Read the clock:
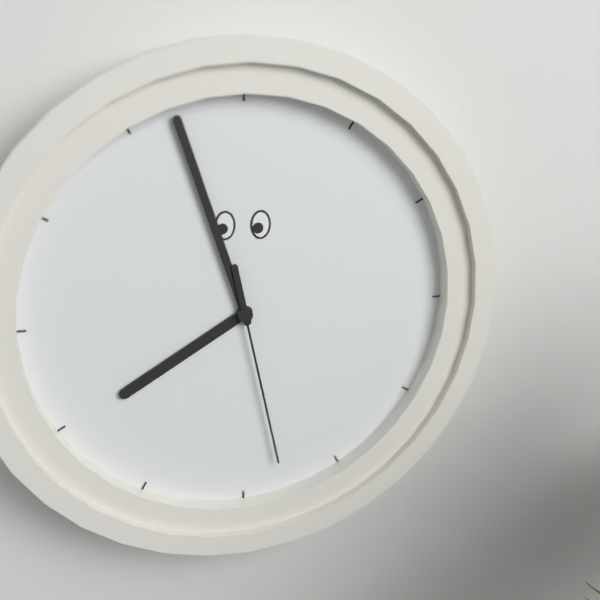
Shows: 7:57:28
